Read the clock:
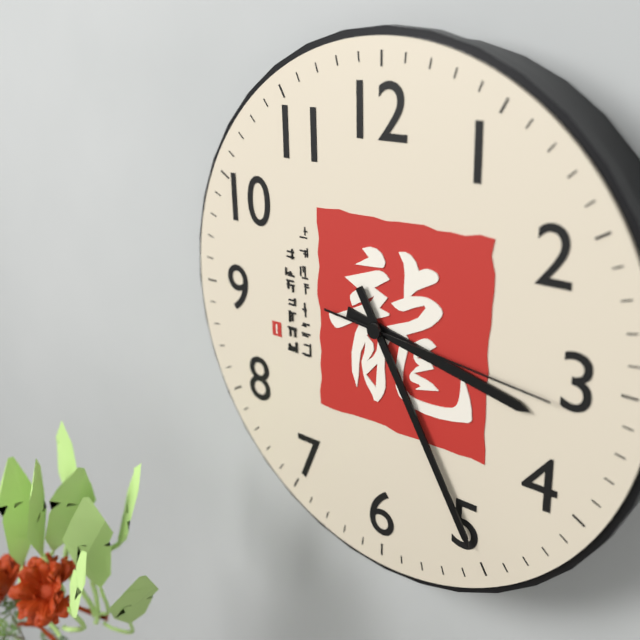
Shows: 3:25:16
